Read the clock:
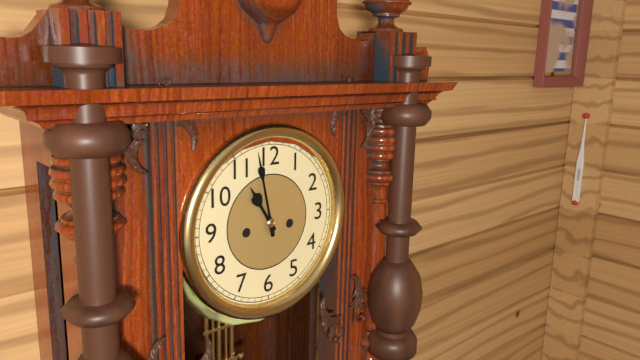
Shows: 10:58
